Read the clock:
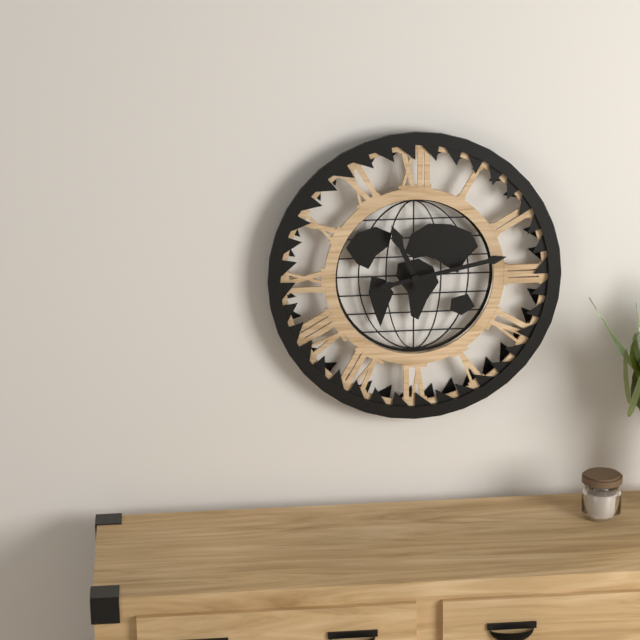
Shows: 11:13
